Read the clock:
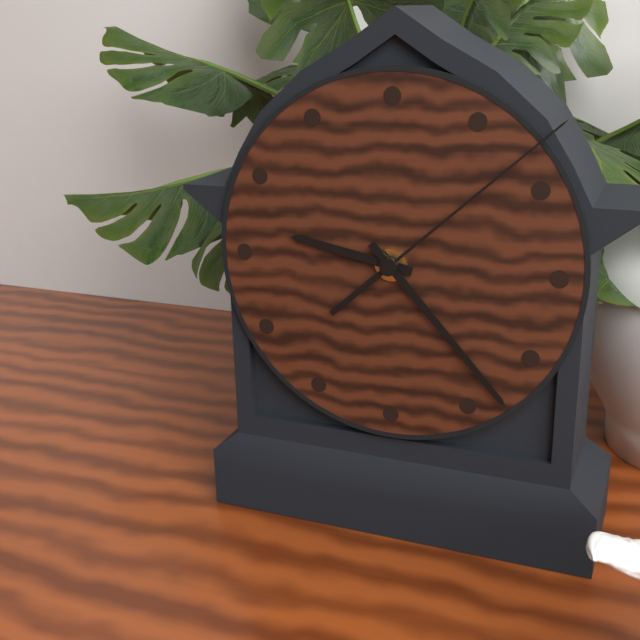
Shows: 9:23:08
